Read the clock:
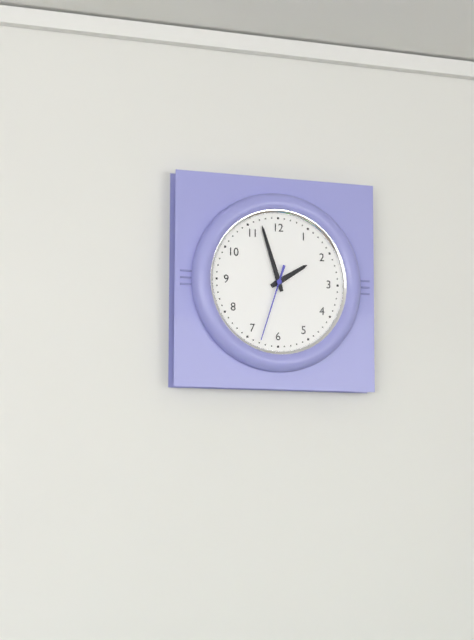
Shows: 1:57:33
